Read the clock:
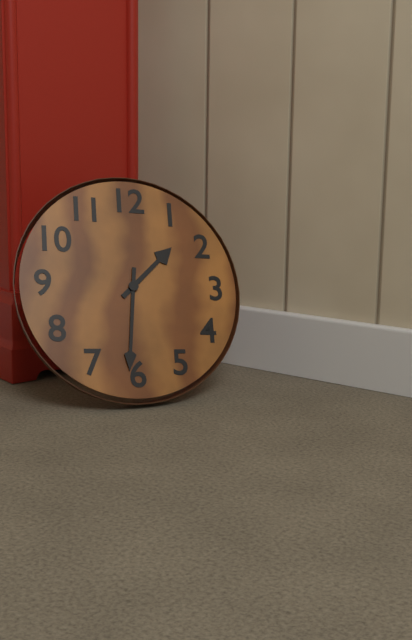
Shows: 1:31
